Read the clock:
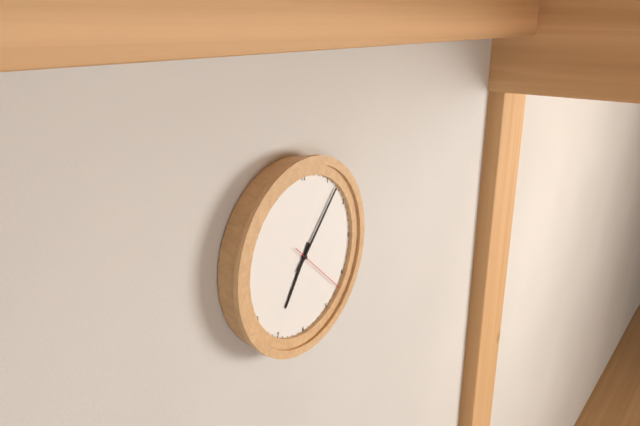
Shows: 7:07:22
